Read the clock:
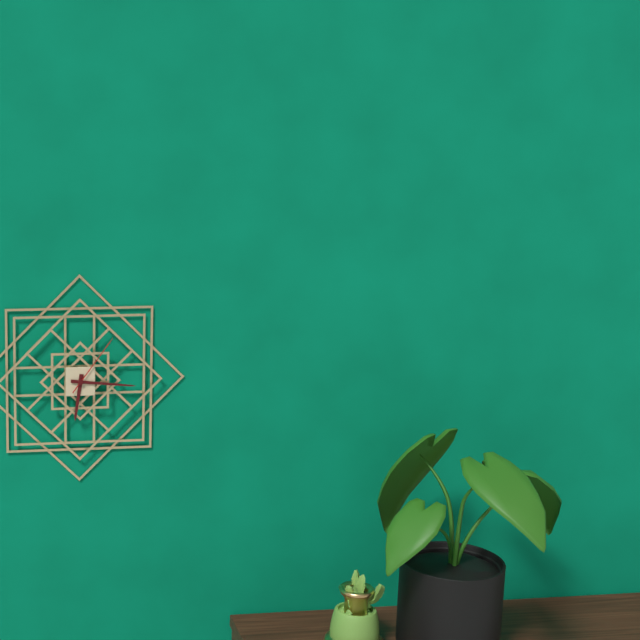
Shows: 6:16:06
